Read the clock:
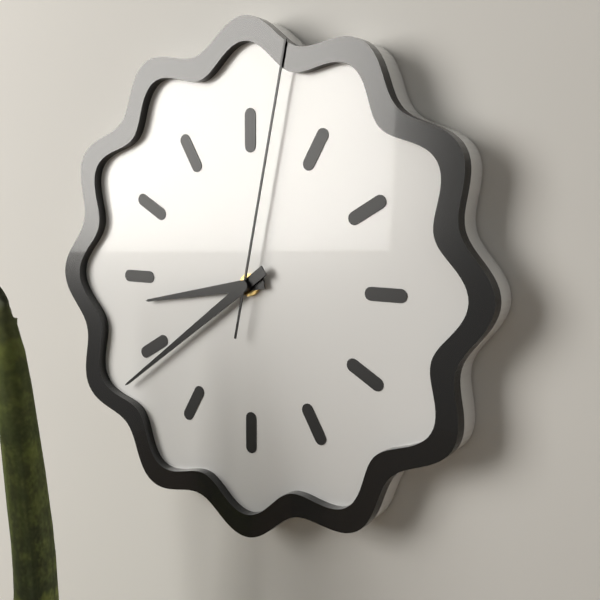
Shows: 8:39:02
